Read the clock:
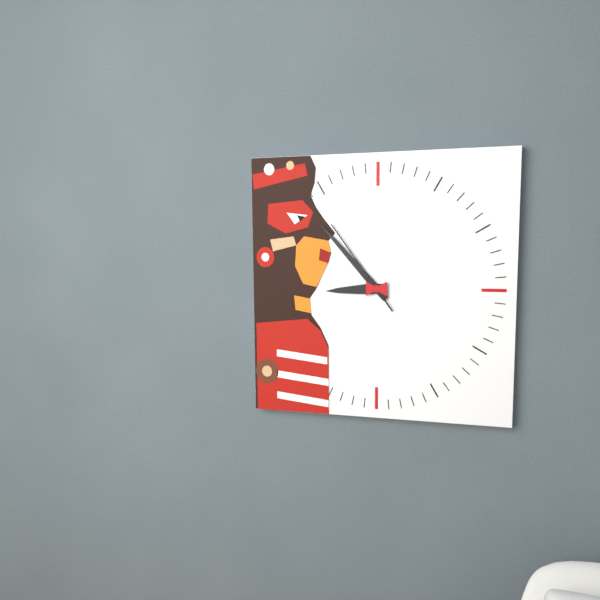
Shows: 8:53:54
